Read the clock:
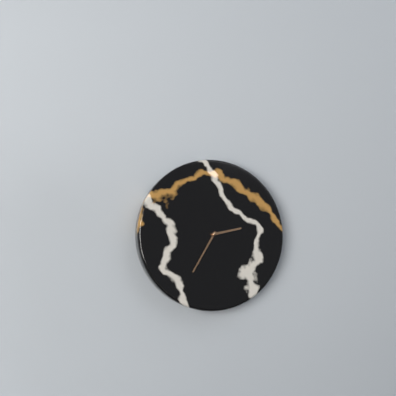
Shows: 2:35
